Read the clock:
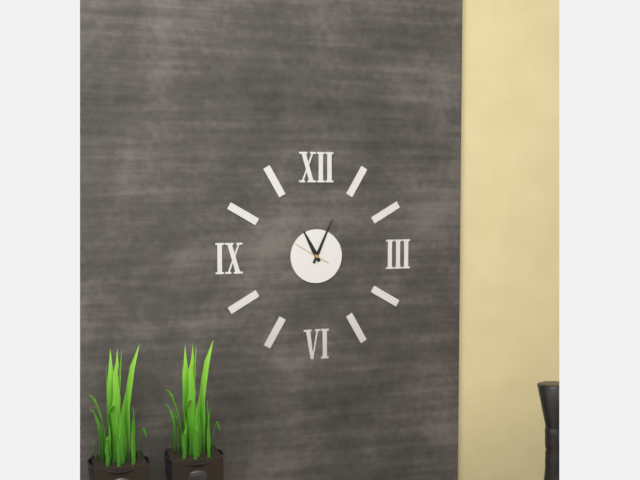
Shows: 11:04
